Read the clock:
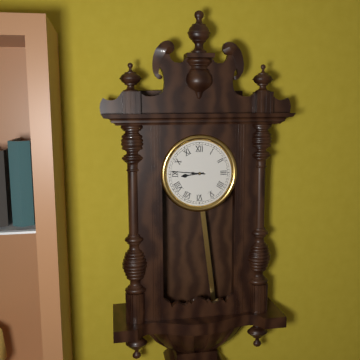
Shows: 8:46
